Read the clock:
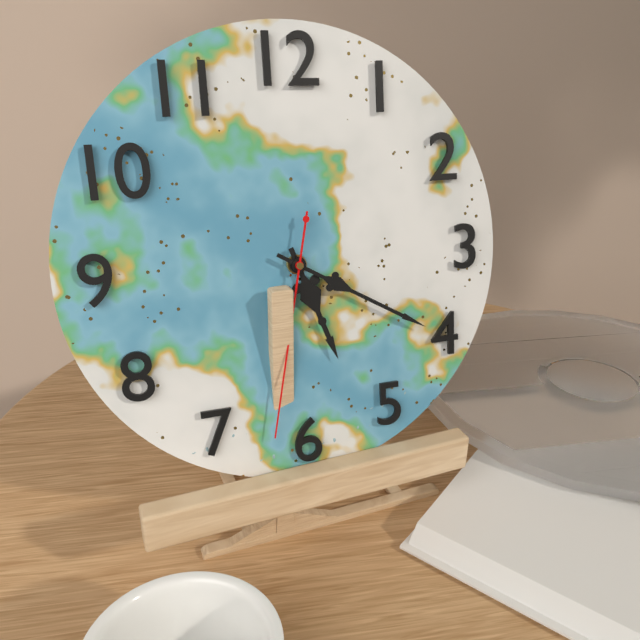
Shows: 5:20:32
